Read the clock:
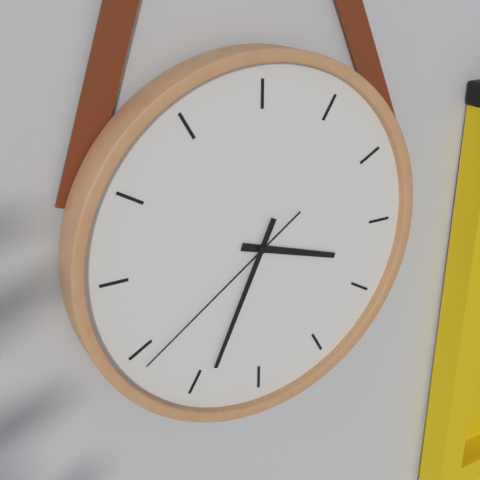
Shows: 3:34:39
